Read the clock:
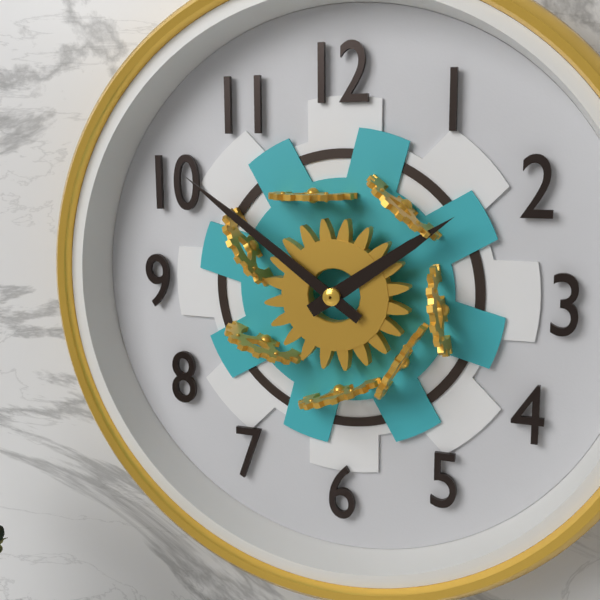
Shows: 1:51
